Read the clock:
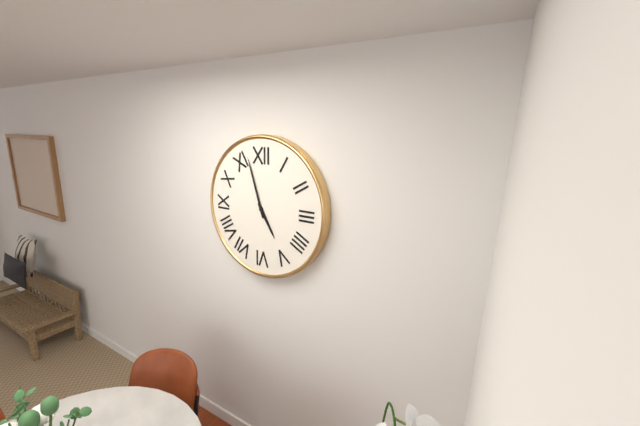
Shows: 4:57
